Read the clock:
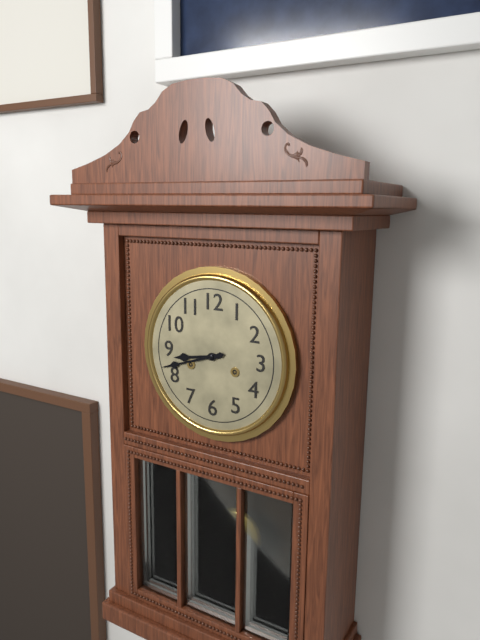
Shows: 8:42
